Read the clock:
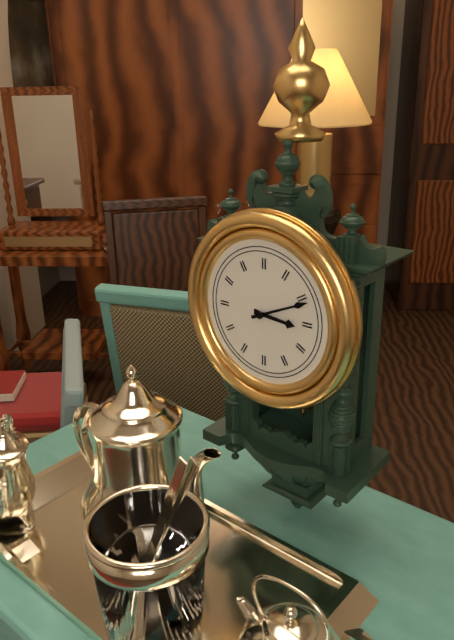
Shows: 3:11
